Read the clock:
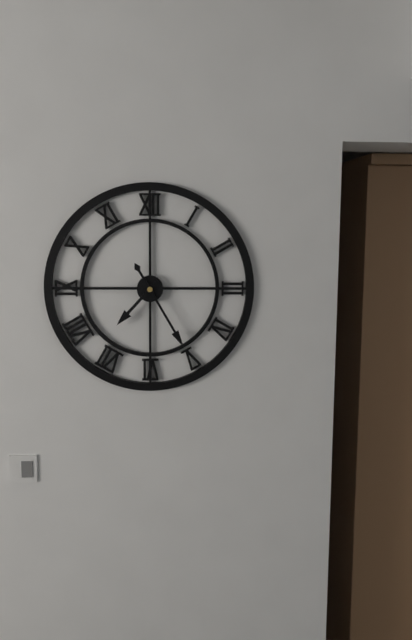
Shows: 7:25
